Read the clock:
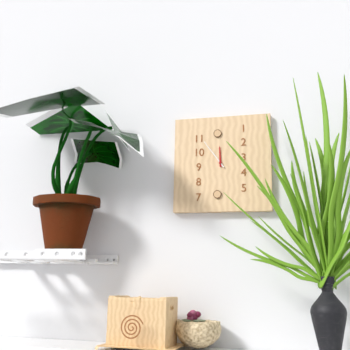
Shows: 11:54
